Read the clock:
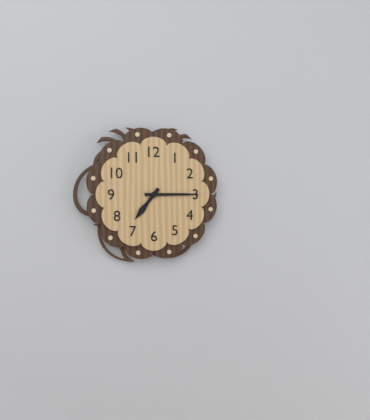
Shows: 7:15
